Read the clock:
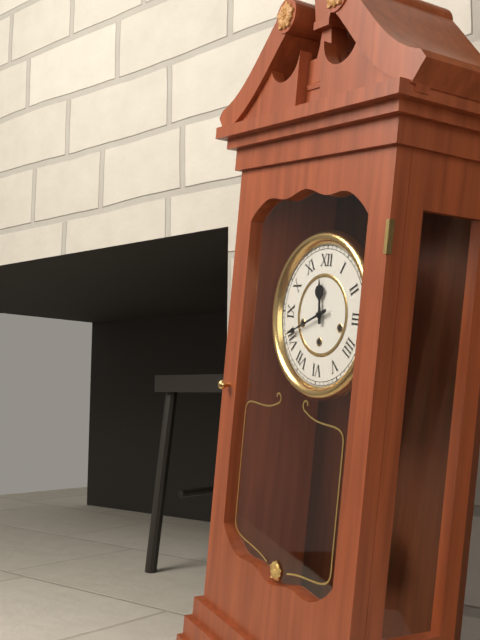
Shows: 11:41
